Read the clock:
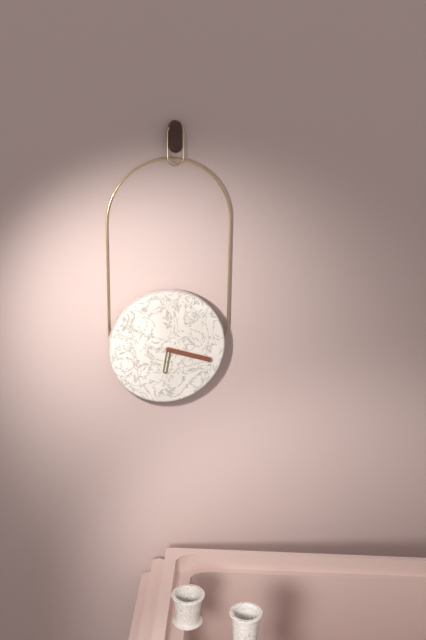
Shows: 6:18
